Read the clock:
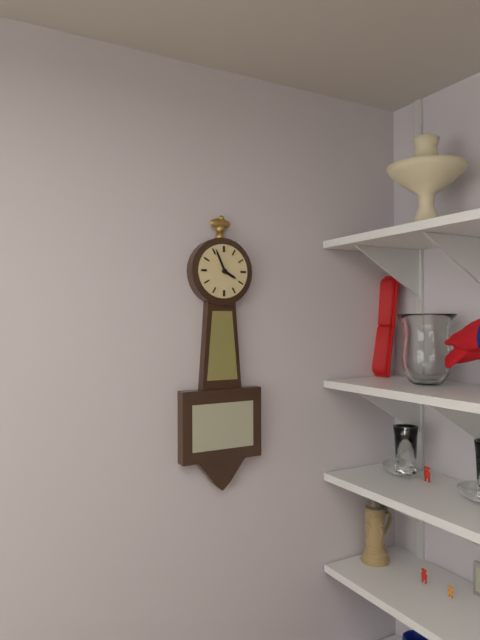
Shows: 3:56
